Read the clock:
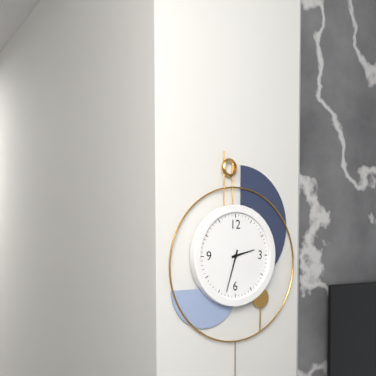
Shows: 2:33
